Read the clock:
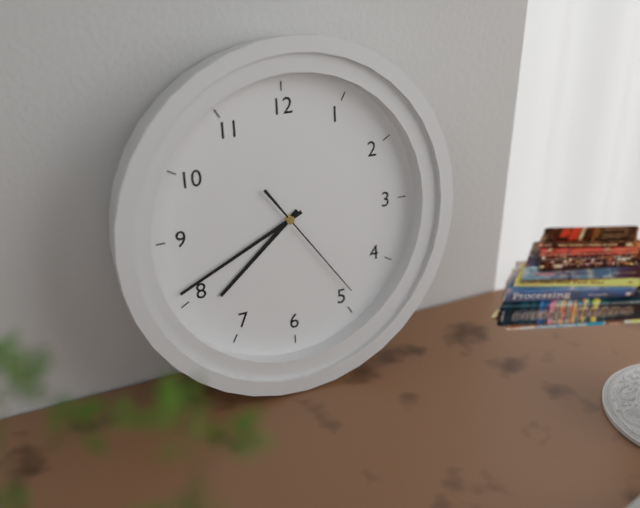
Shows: 7:41:24
